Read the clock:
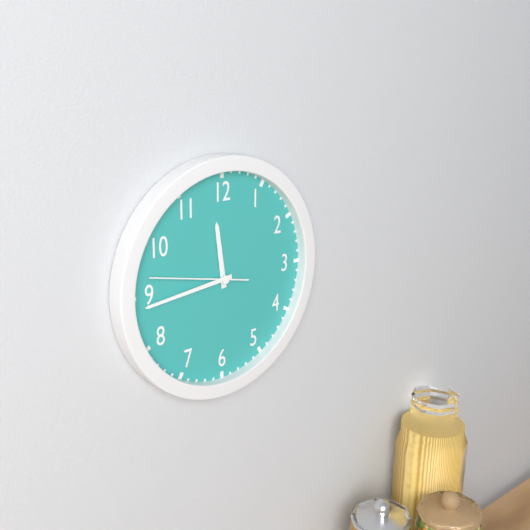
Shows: 11:44:47
